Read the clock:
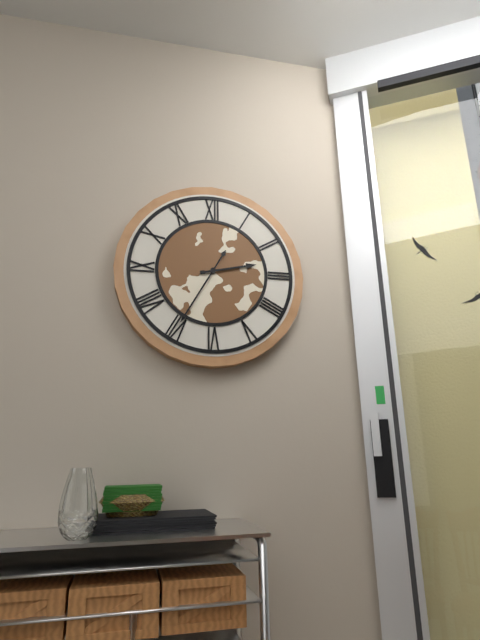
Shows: 2:35
